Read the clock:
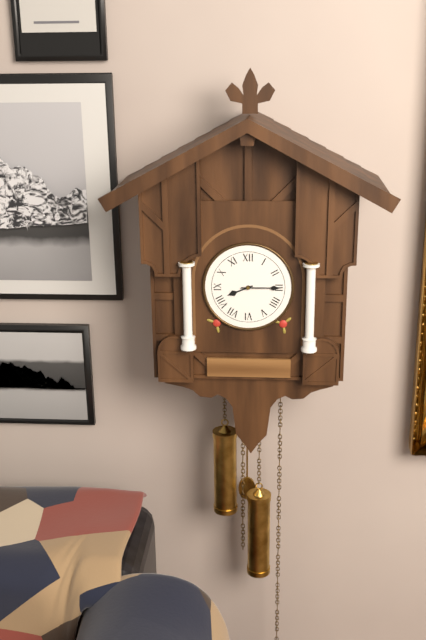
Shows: 8:15
